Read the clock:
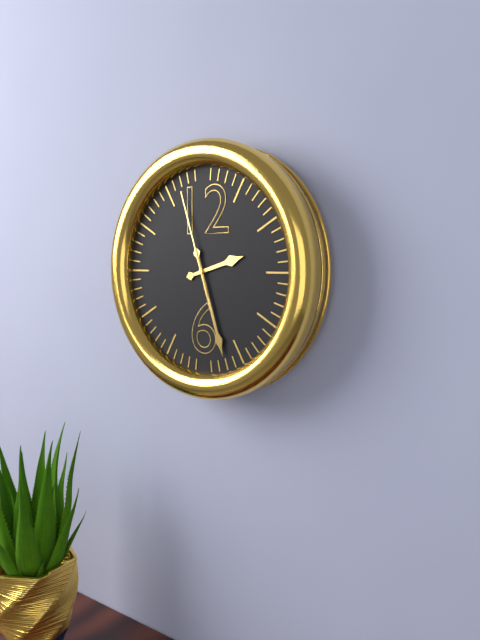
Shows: 2:27:57
